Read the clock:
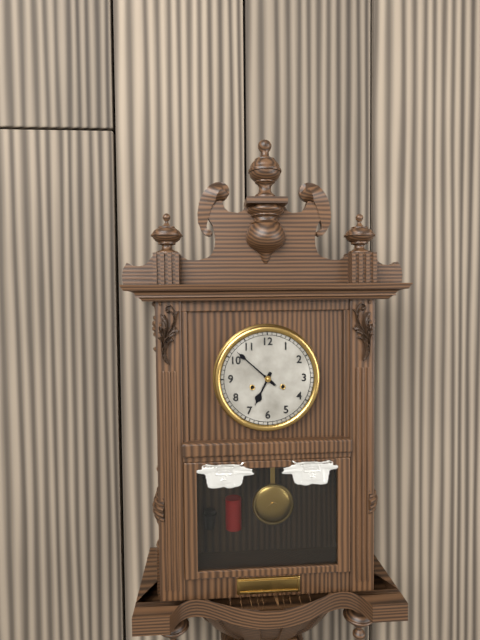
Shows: 6:52
